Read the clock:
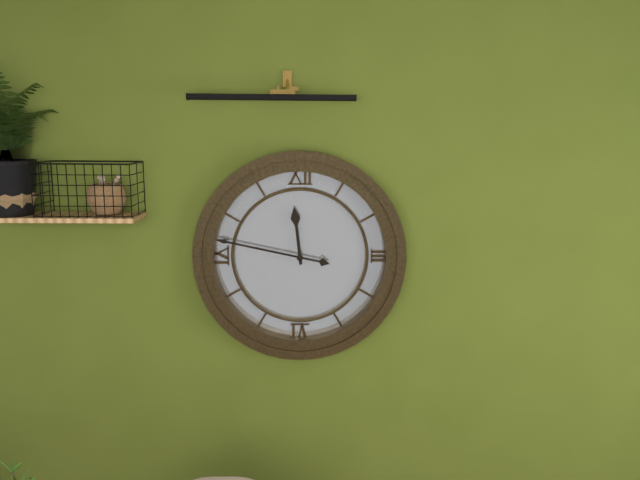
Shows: 11:47
